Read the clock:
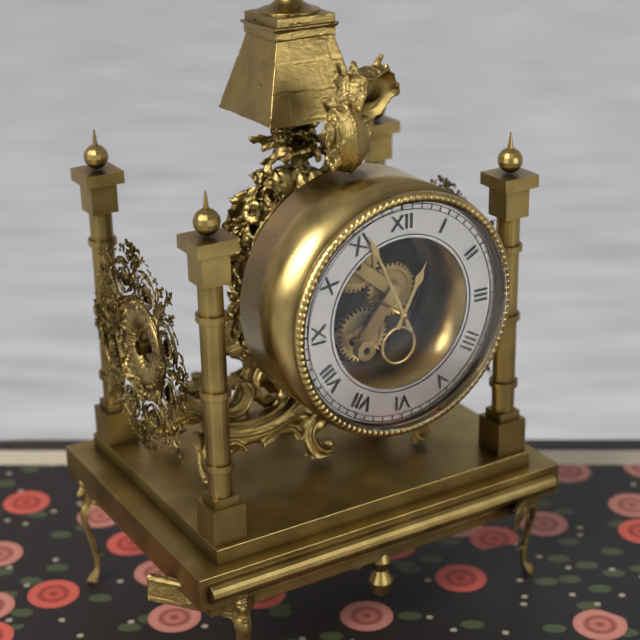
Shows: 12:56
